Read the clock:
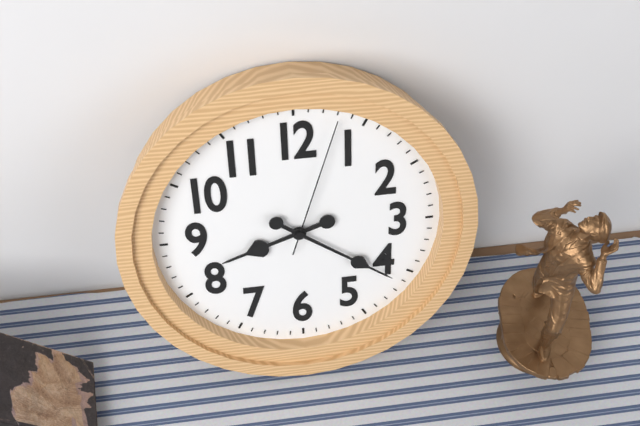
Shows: 8:21:03
